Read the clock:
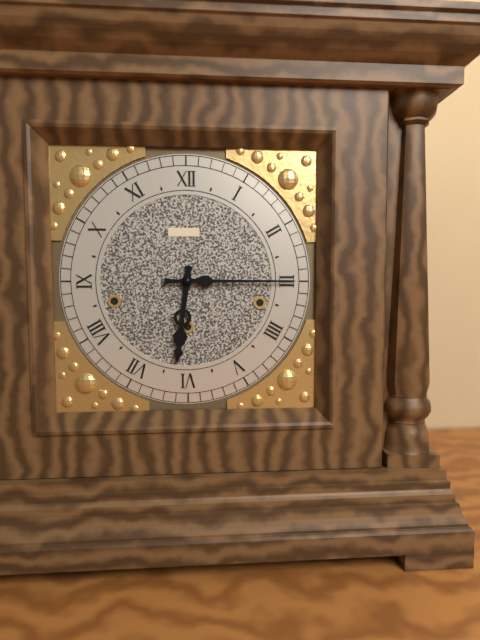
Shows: 6:15
